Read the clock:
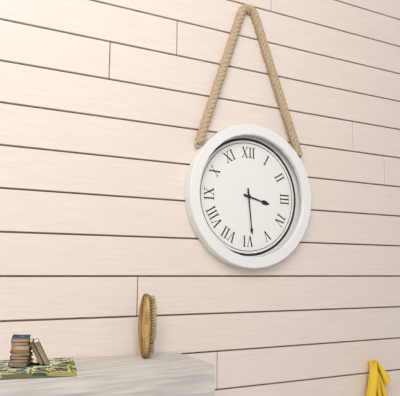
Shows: 3:29
